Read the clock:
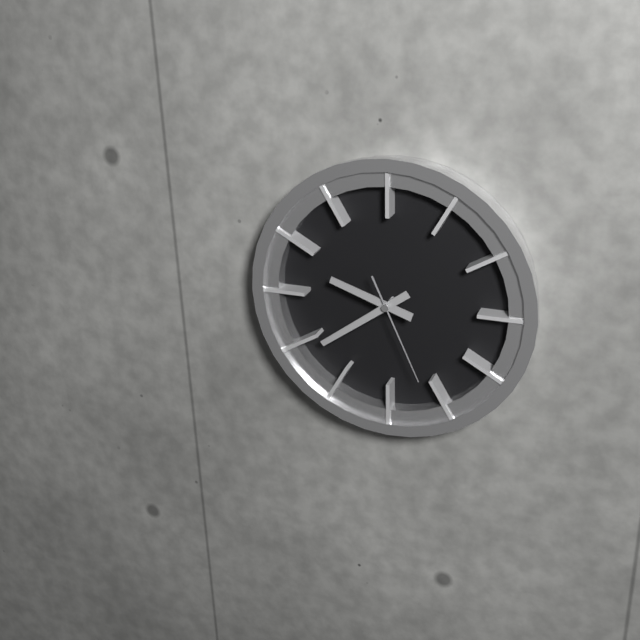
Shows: 9:39:26
